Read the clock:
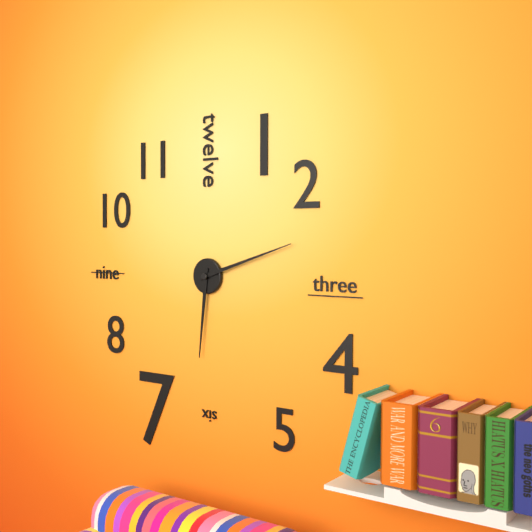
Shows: 6:12
